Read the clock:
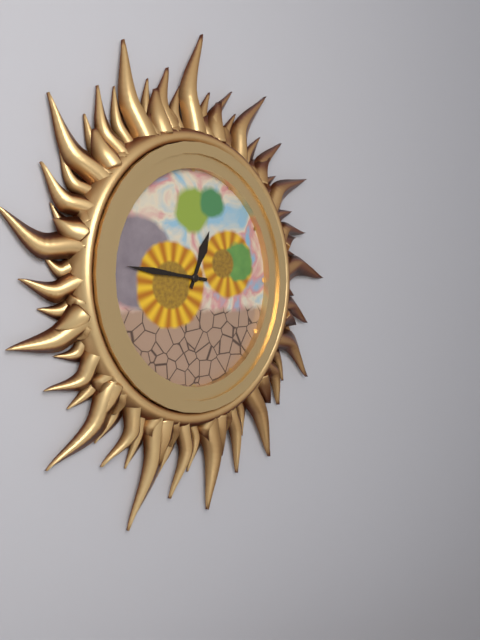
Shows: 12:46
